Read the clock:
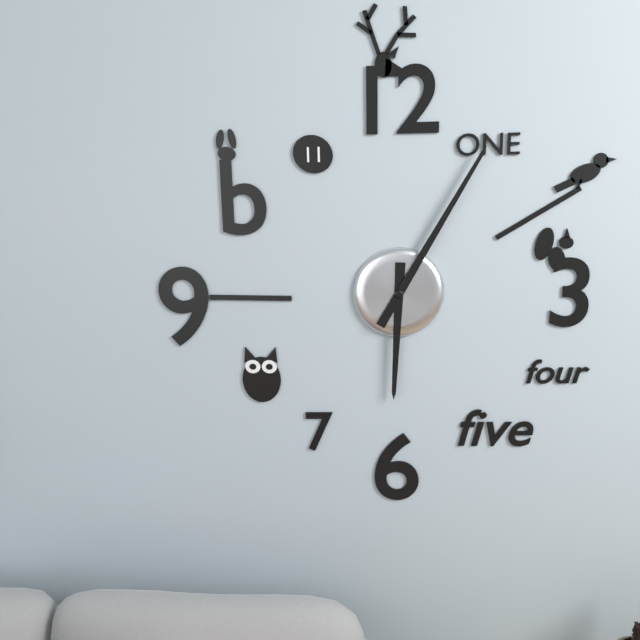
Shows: 6:05
